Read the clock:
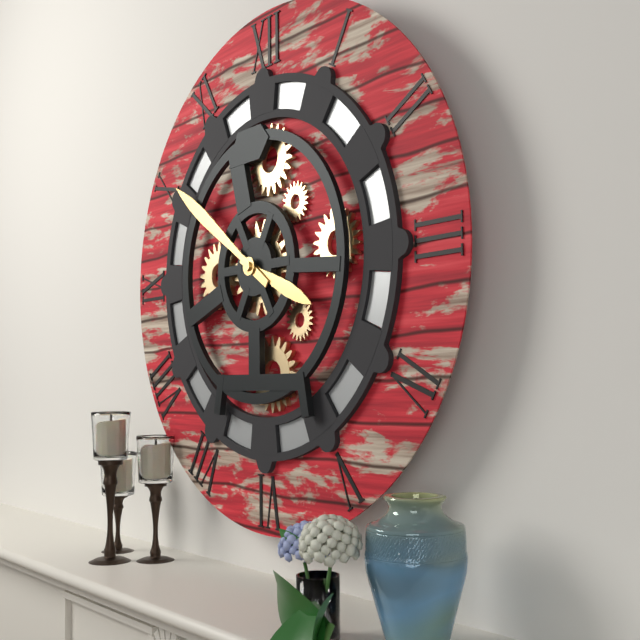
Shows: 3:51
